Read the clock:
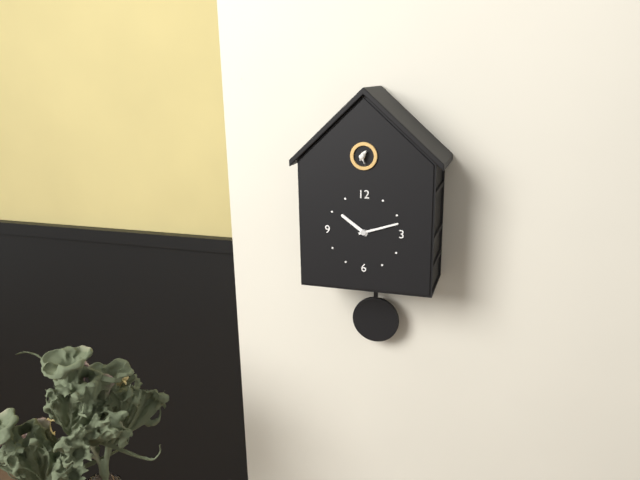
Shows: 10:12
